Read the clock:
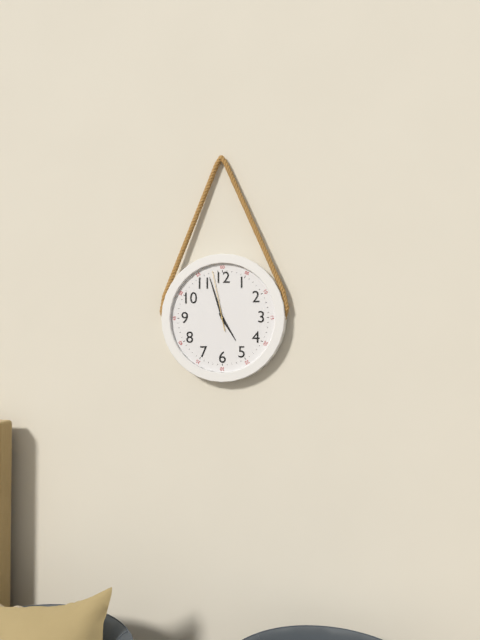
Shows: 4:57:58
